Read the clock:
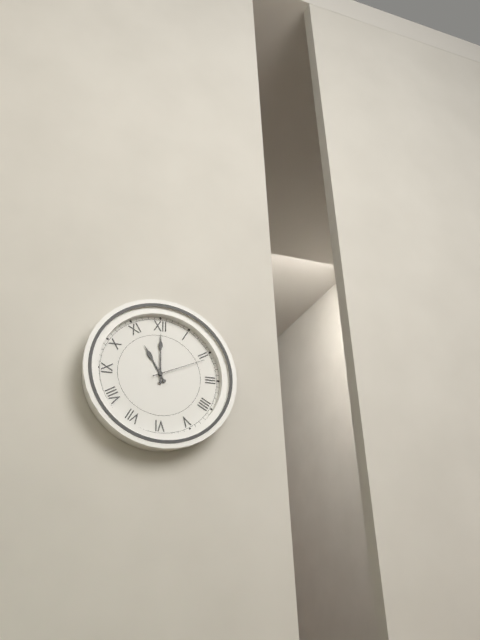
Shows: 11:00:11
